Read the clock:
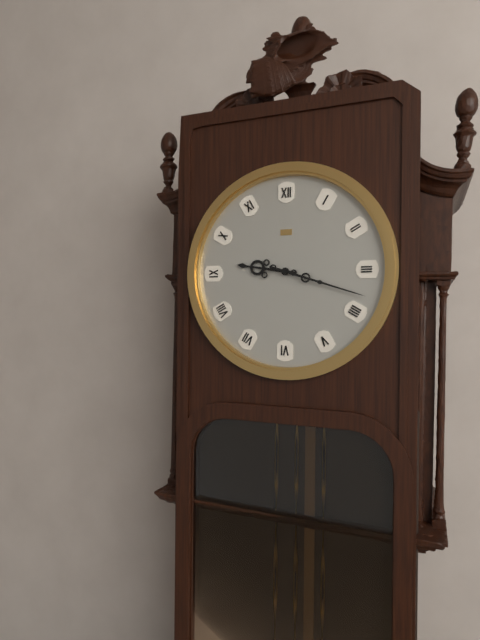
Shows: 9:18
